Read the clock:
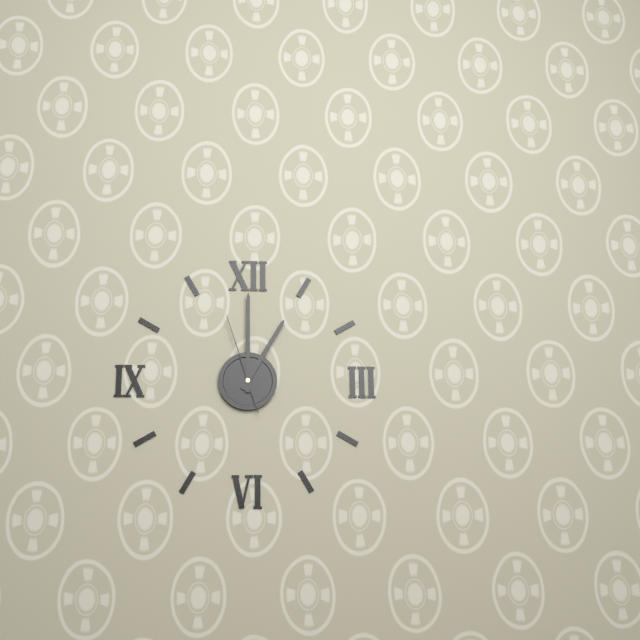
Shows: 1:00:57
